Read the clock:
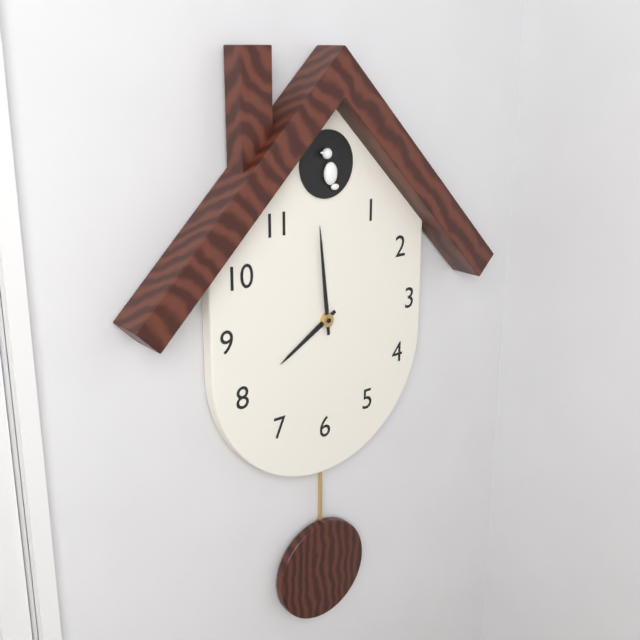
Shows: 7:59
